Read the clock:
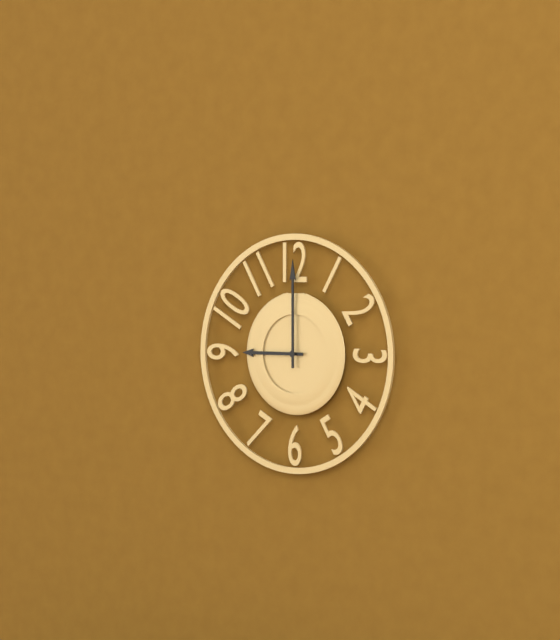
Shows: 9:00
